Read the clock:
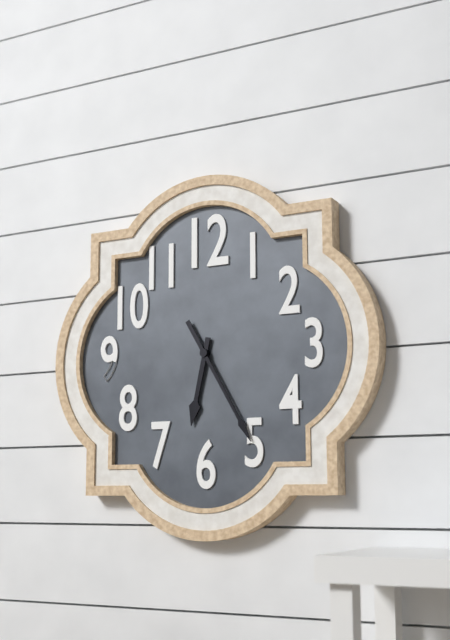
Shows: 6:25
